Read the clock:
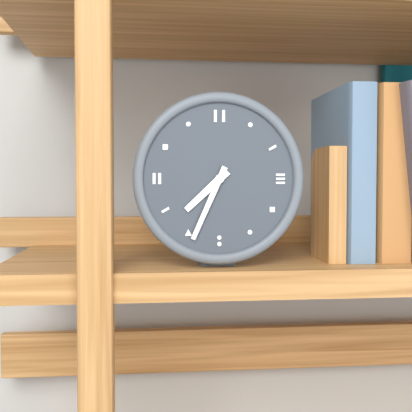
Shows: 7:34
